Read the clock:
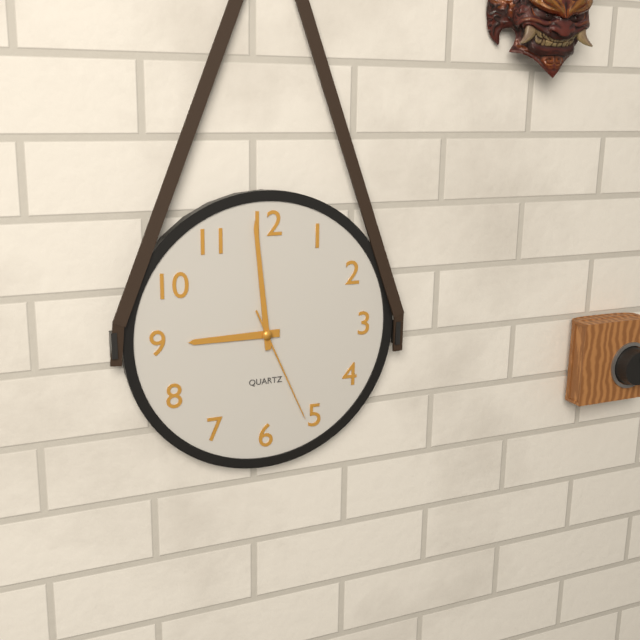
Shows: 8:59:26
